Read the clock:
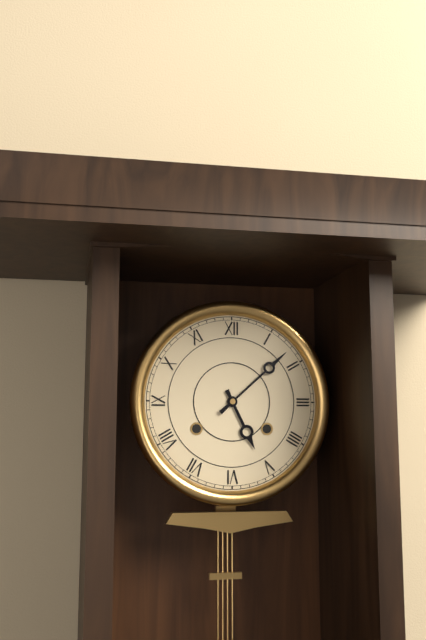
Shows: 5:08
